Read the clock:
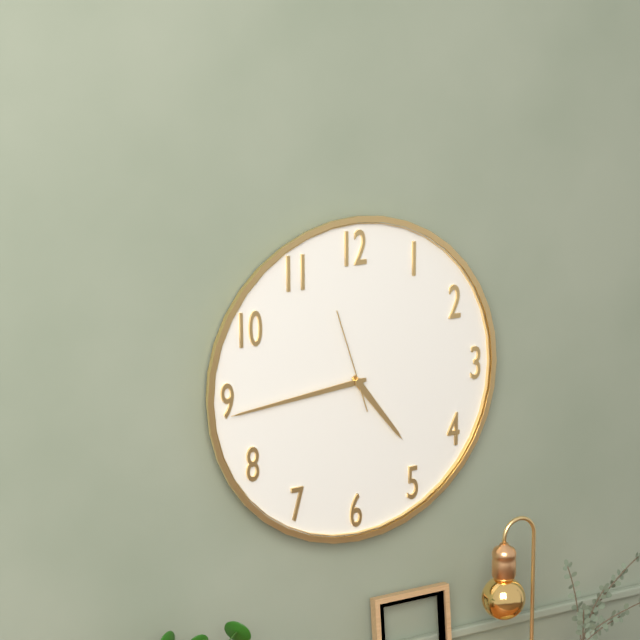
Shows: 4:44:57
